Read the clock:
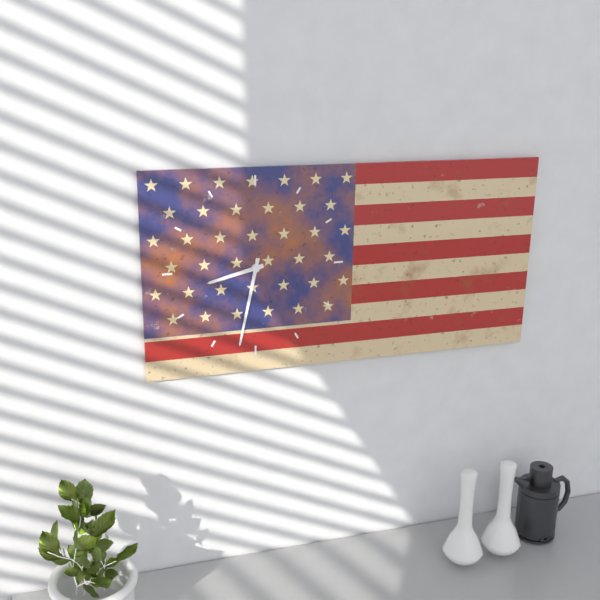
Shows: 8:32
